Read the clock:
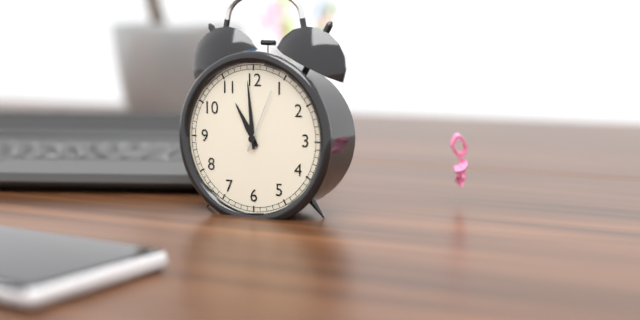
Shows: 10:59:04
